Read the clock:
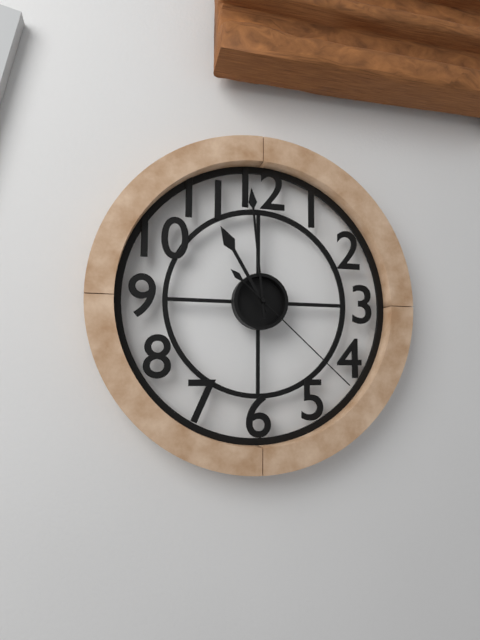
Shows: 10:59:22
